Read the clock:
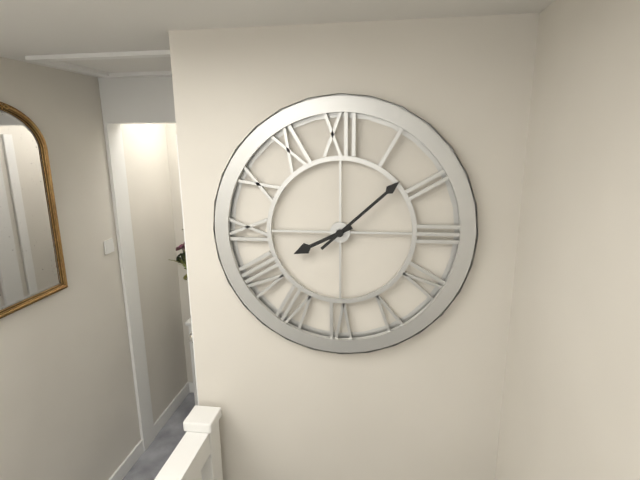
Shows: 8:08
